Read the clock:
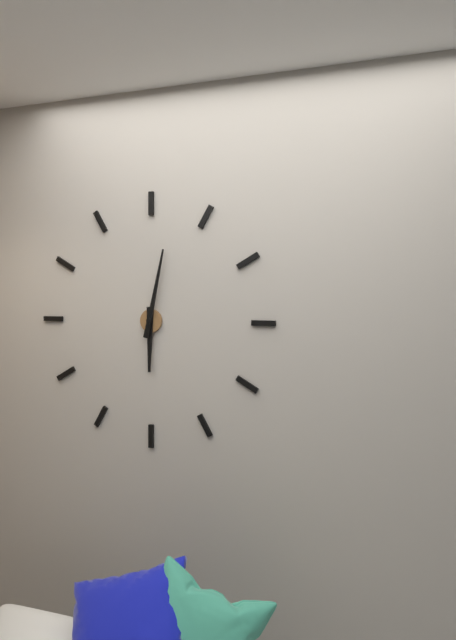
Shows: 6:02
